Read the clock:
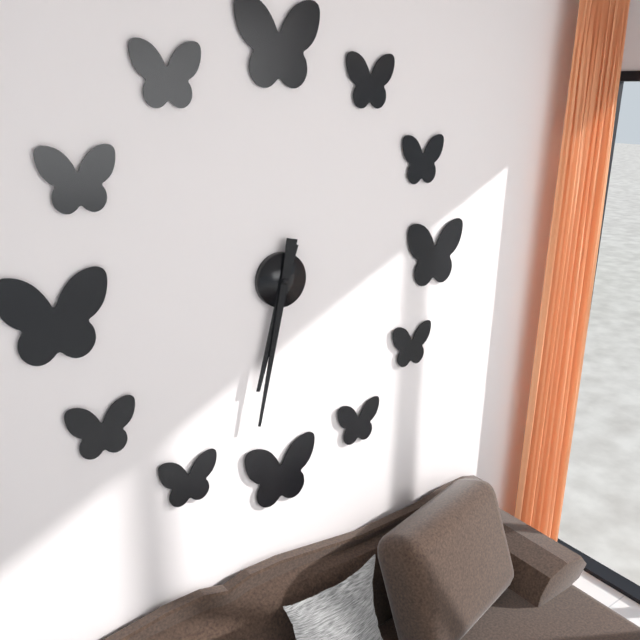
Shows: 6:32
